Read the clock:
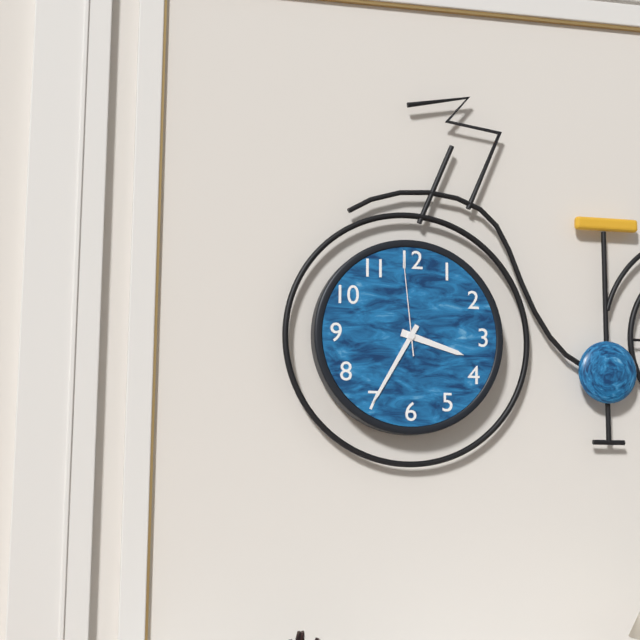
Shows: 3:35:59
